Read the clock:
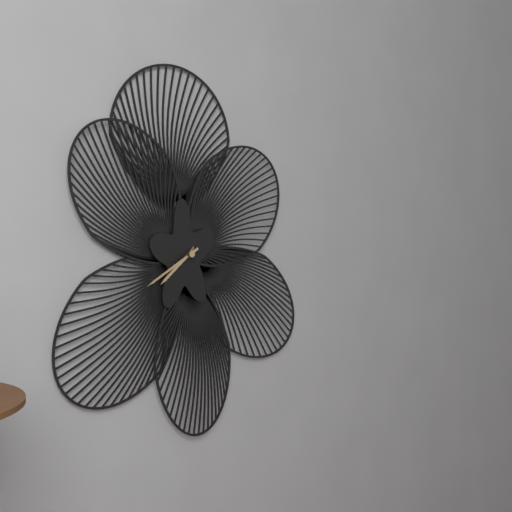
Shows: 7:40
